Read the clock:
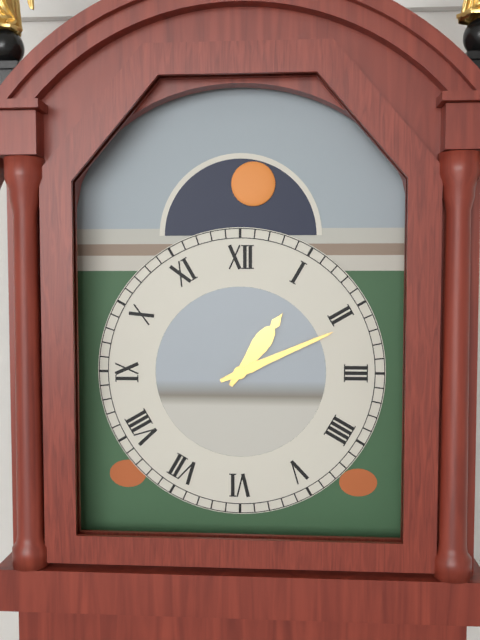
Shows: 1:11
